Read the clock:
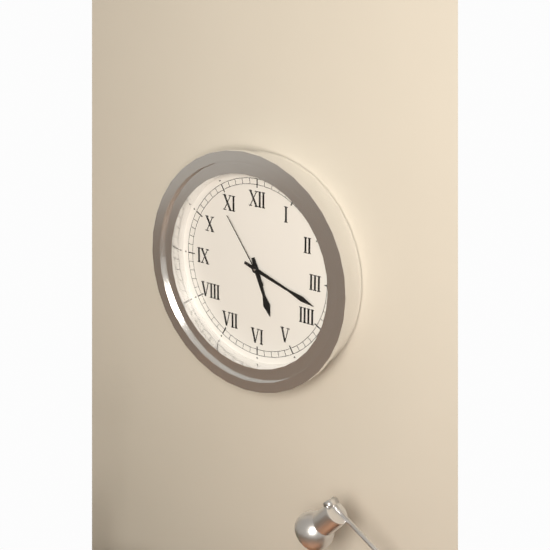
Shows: 5:18:54
